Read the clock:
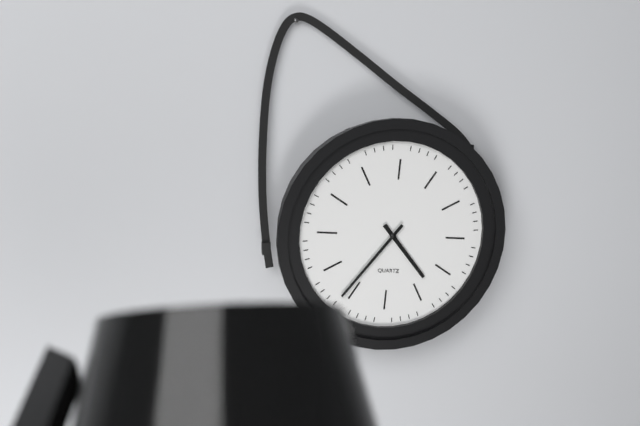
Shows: 4:36
